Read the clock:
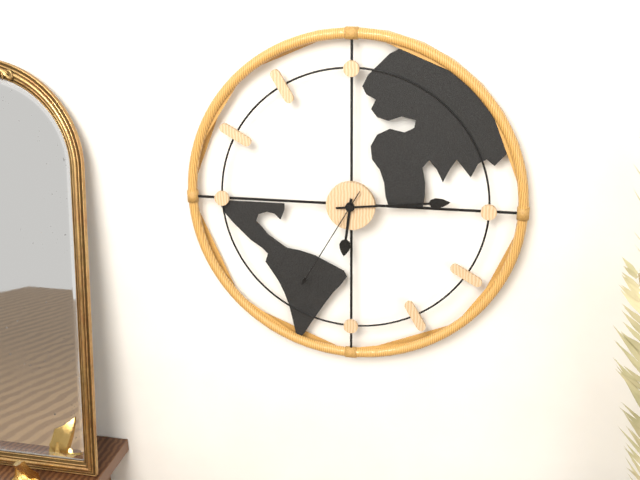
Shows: 6:14:35
